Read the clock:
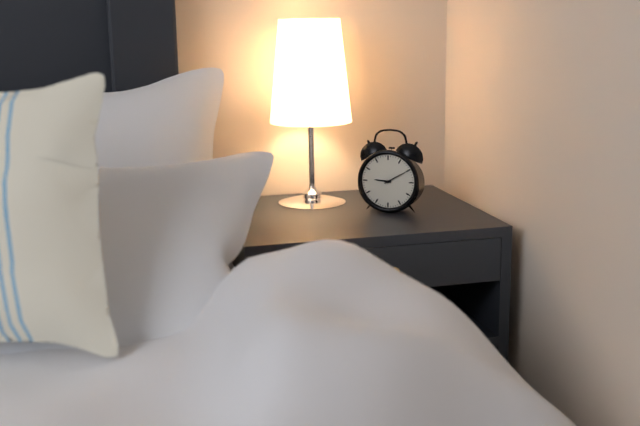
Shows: 9:10
